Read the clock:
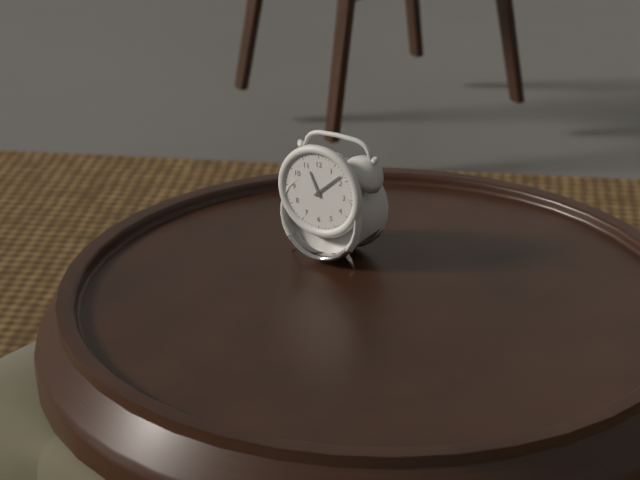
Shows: 11:08
